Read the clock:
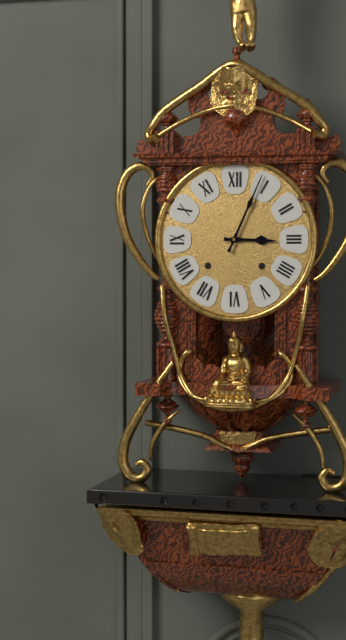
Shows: 3:04
